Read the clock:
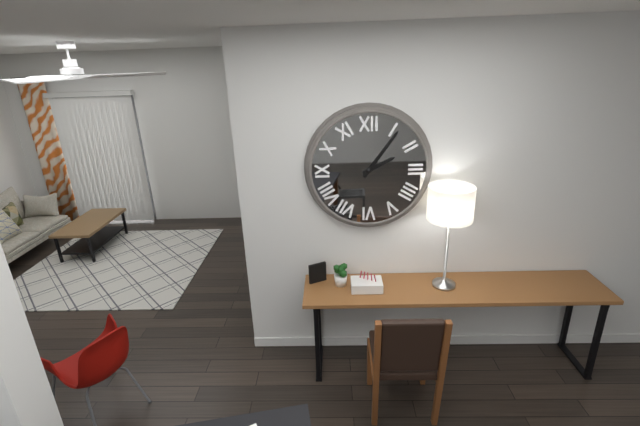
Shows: 2:06
